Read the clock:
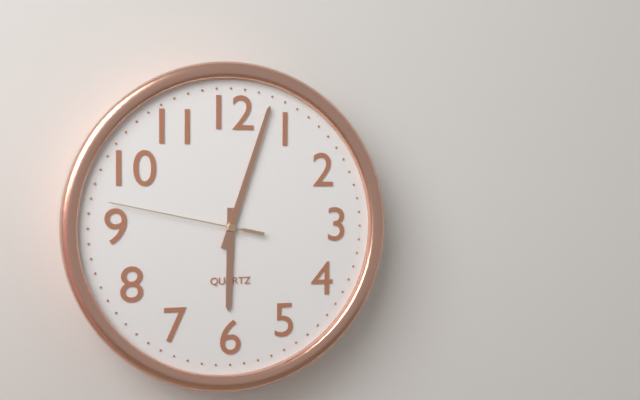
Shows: 6:03:47
